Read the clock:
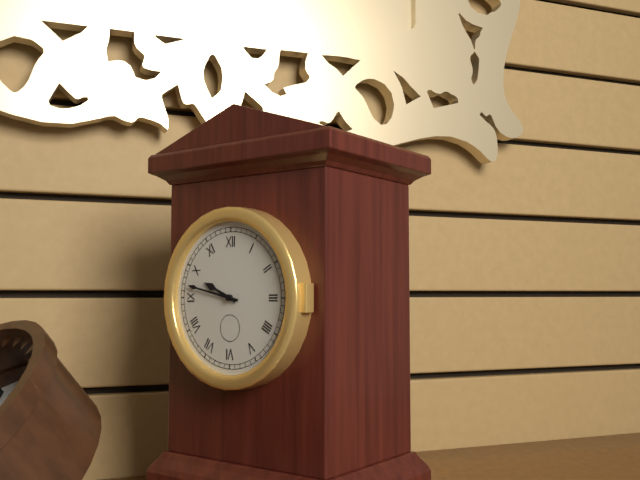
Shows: 9:47
